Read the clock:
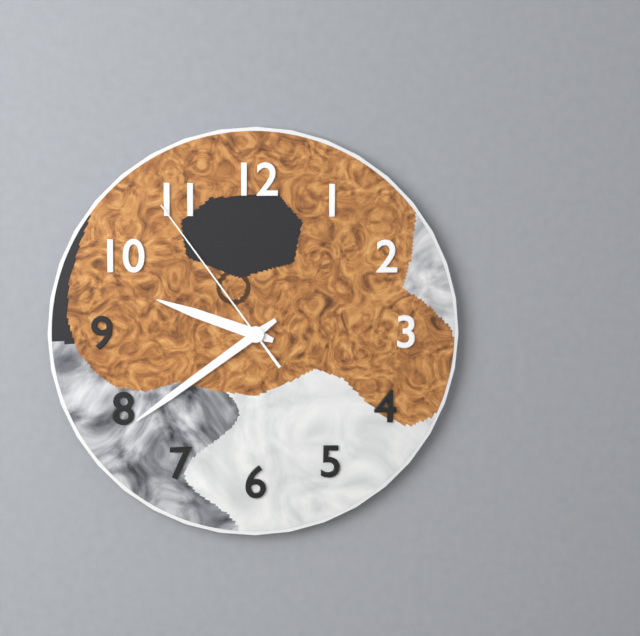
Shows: 9:39:54
